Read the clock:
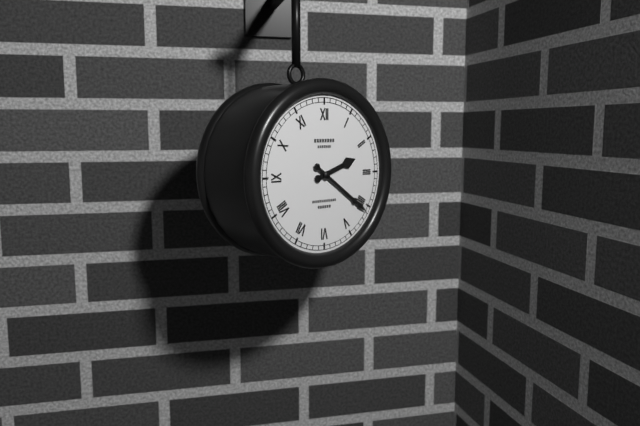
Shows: 2:21
